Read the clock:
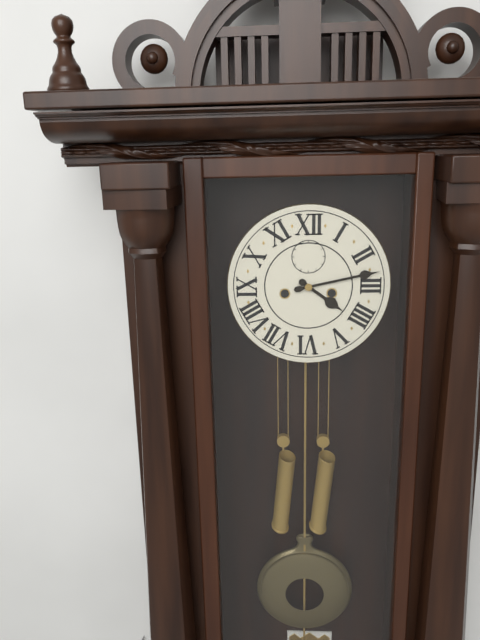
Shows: 4:13
